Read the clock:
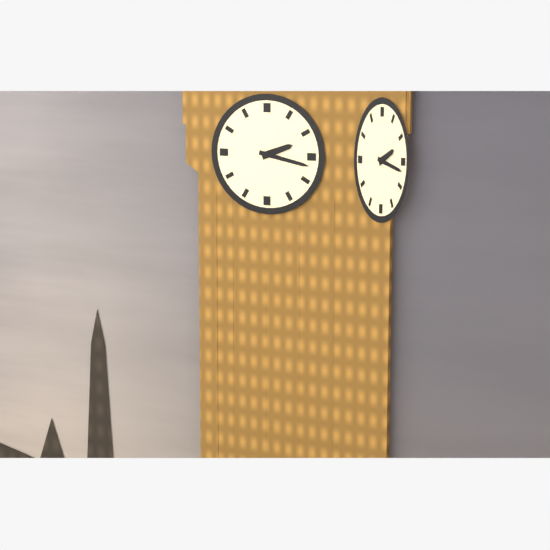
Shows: 2:17
